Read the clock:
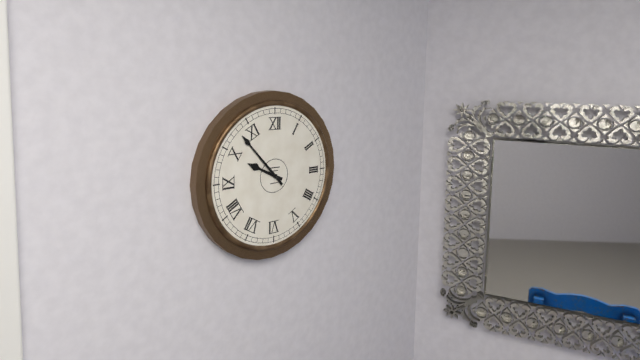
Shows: 9:53
